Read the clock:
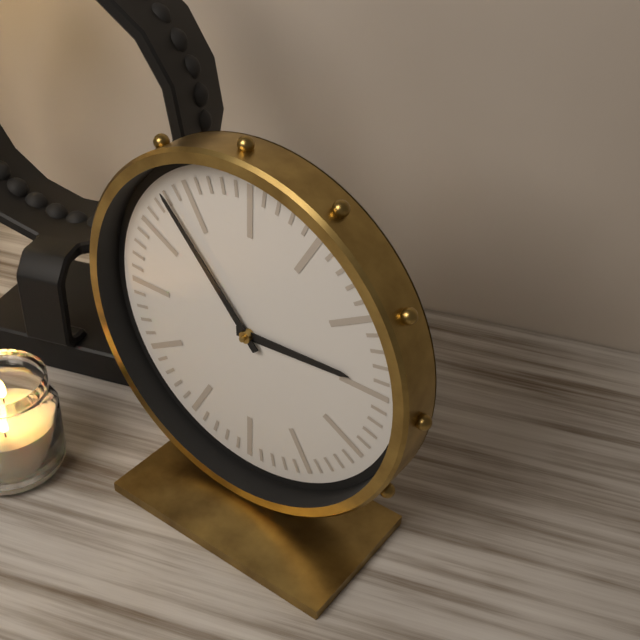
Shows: 2:53
